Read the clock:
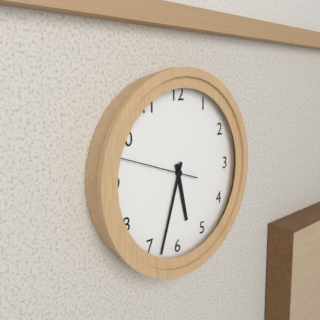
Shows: 5:33:48
